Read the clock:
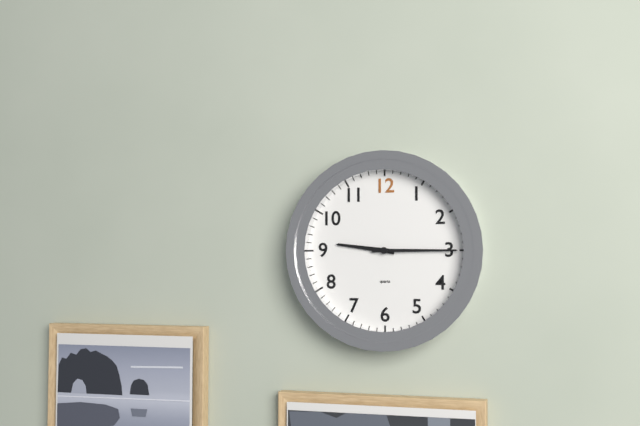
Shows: 9:15
